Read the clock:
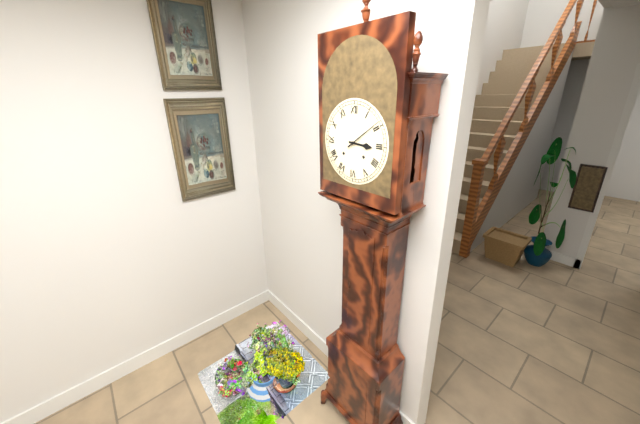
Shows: 3:09
